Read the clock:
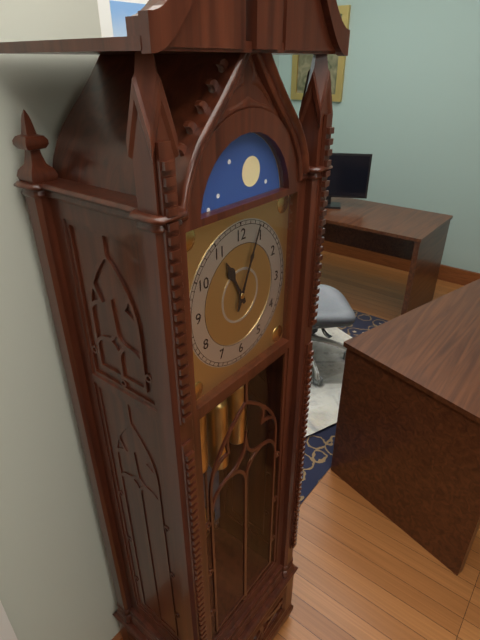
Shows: 11:04
